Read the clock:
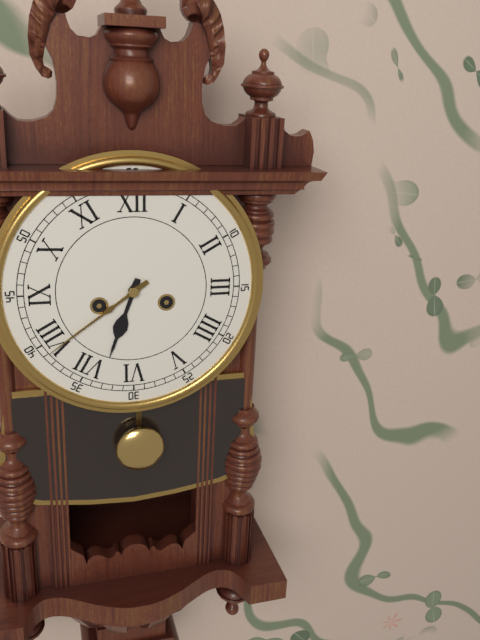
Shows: 6:39
